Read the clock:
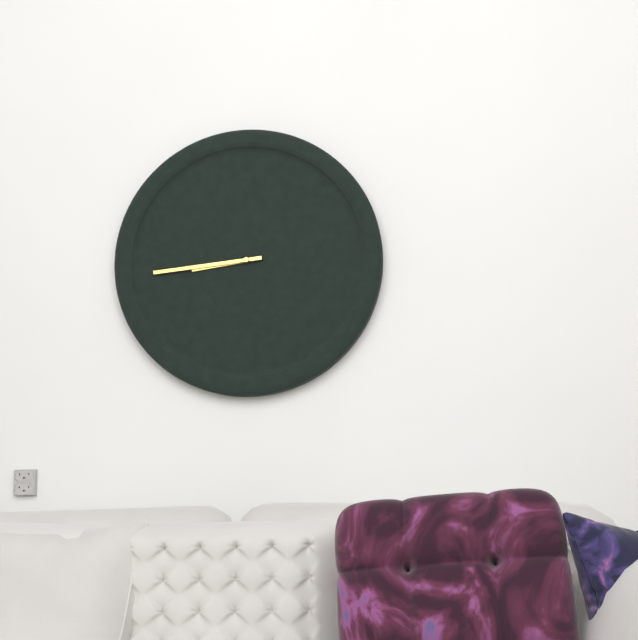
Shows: 8:44
